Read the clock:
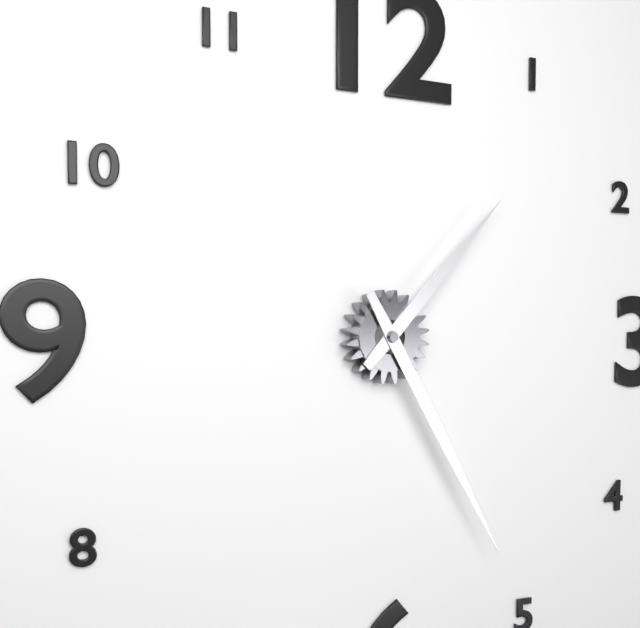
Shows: 1:25
